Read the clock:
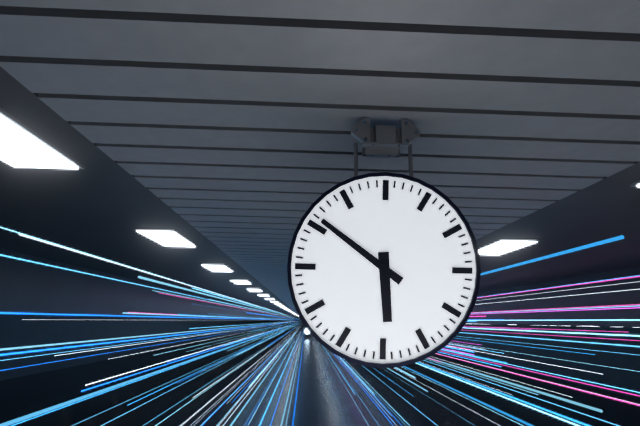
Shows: 5:51
